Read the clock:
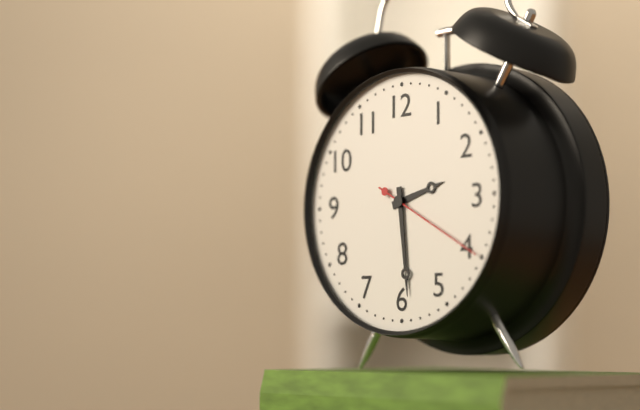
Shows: 2:29:20
